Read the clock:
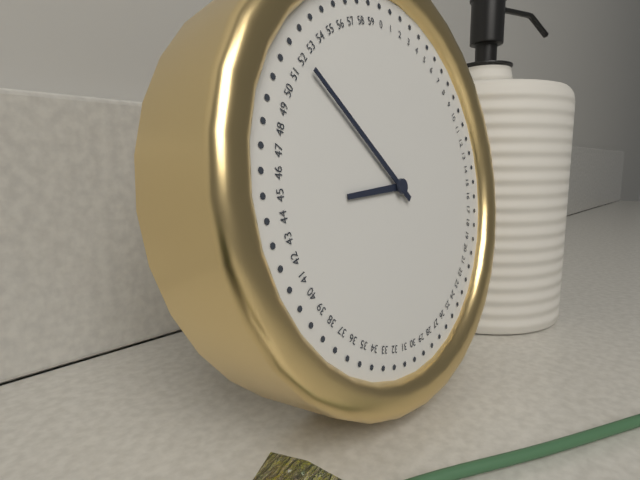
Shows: 8:52
